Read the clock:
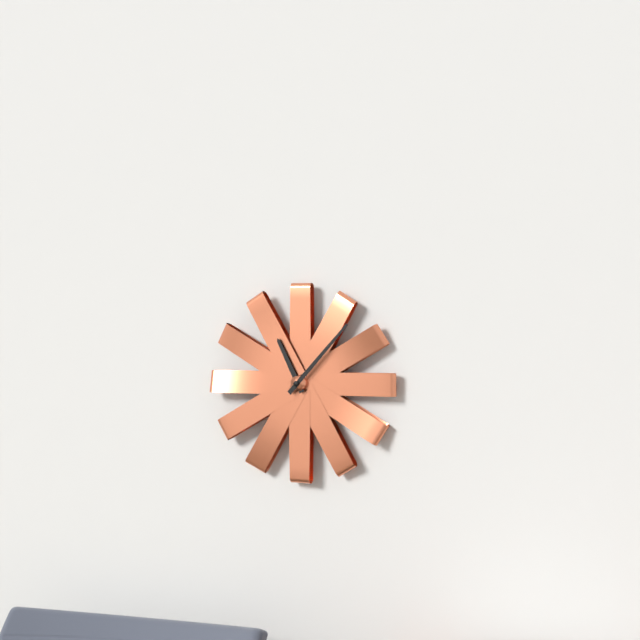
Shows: 11:07
